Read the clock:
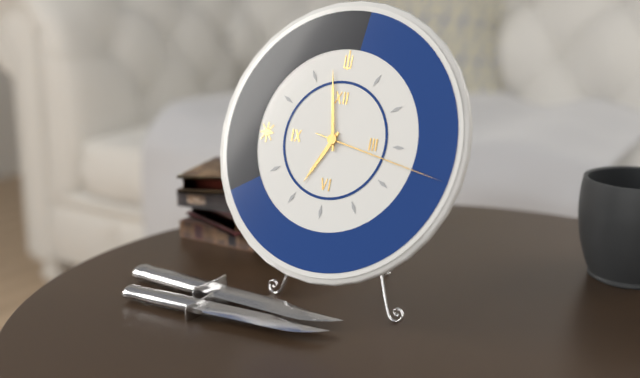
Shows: 6:58:17
